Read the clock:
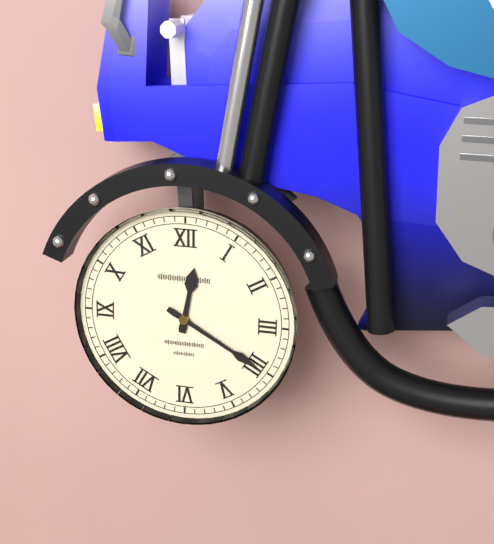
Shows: 12:20
